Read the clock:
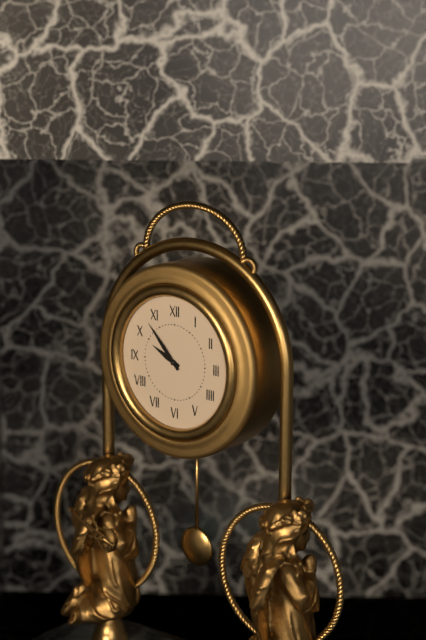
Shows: 9:53
